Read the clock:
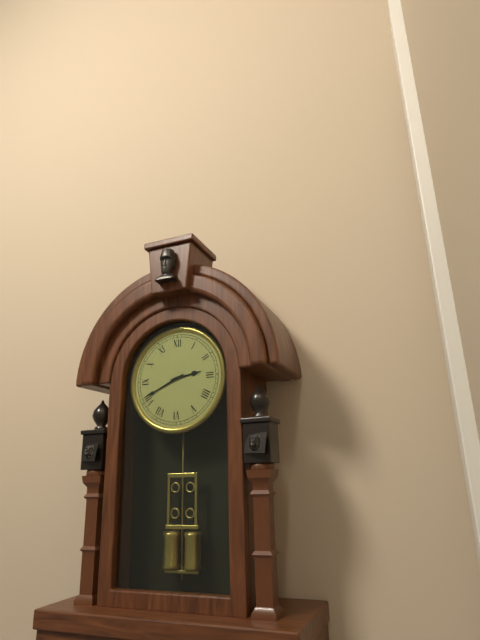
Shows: 2:41
